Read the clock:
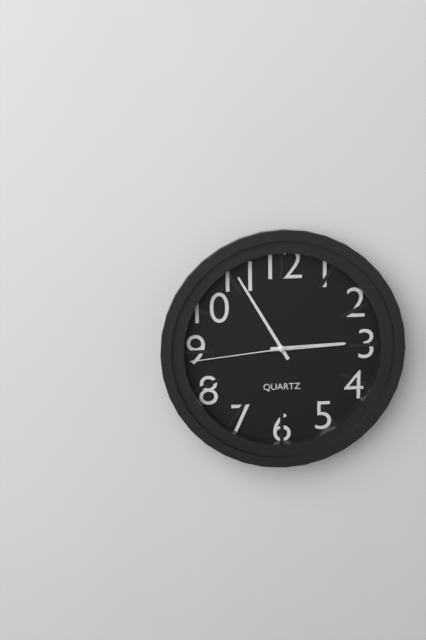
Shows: 2:55:44
